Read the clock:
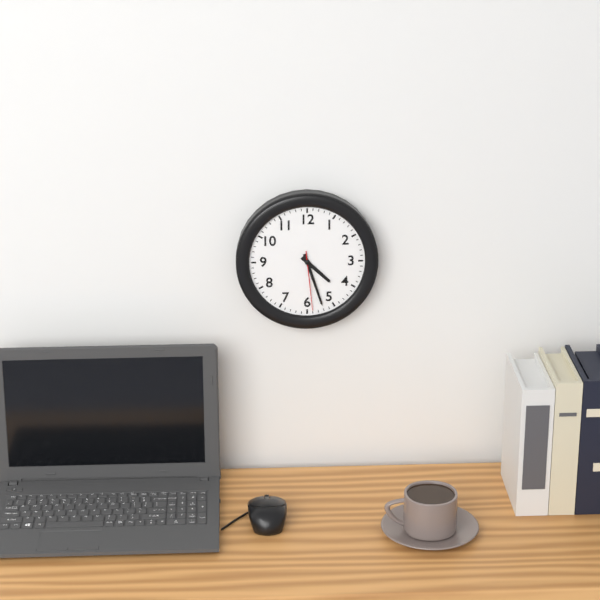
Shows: 4:27:29
